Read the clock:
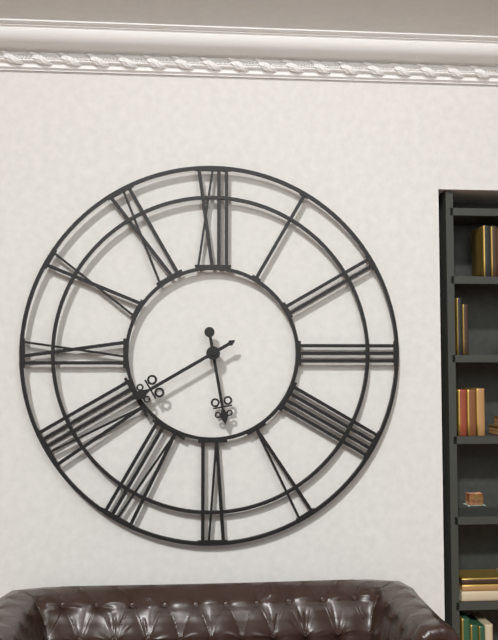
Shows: 5:40
